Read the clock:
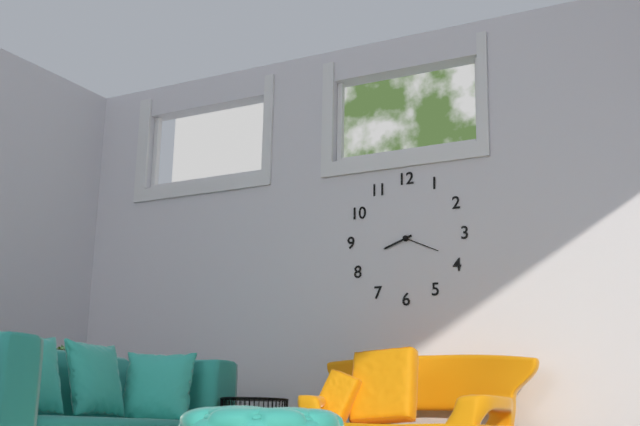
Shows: 8:19
